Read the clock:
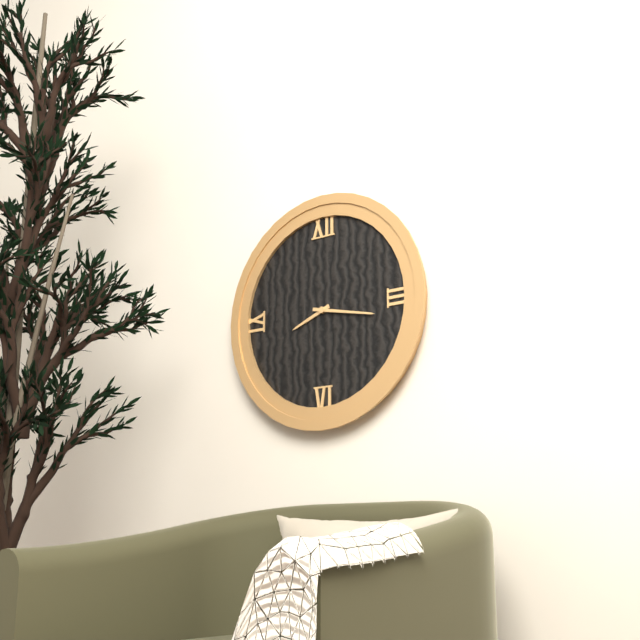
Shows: 8:17
